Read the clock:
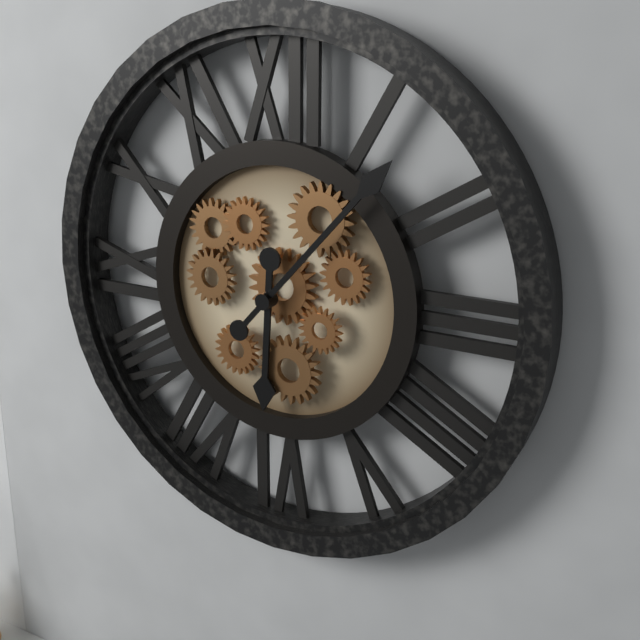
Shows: 6:07
